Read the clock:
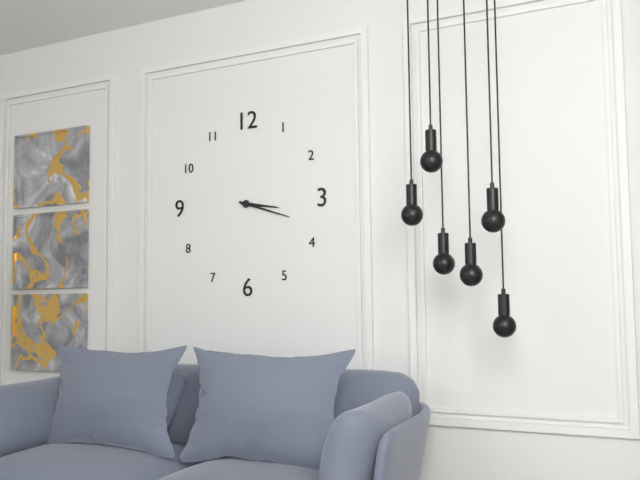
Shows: 3:18
